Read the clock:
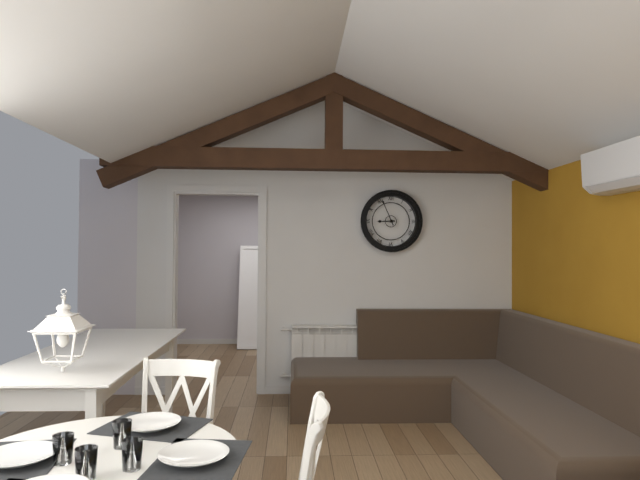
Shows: 8:56
